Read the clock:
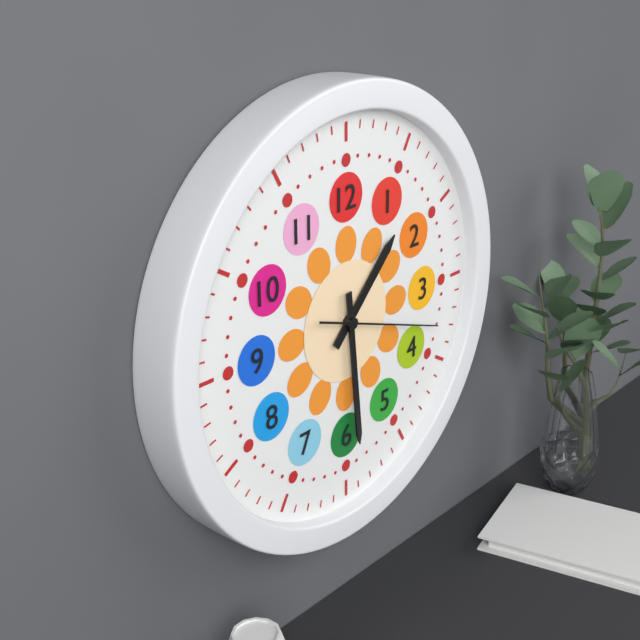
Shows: 1:29:18
